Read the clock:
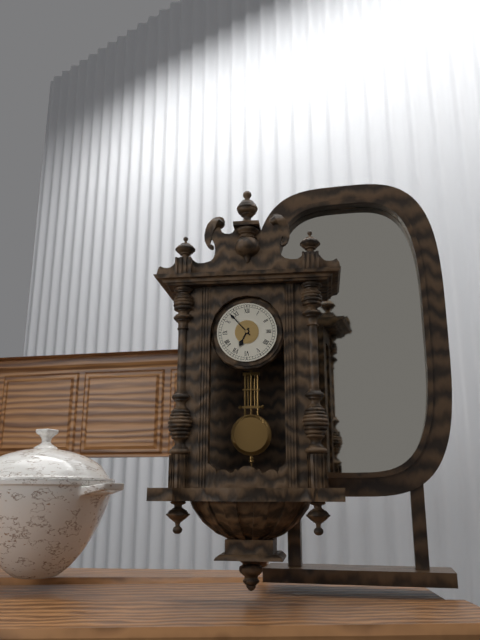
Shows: 6:53
